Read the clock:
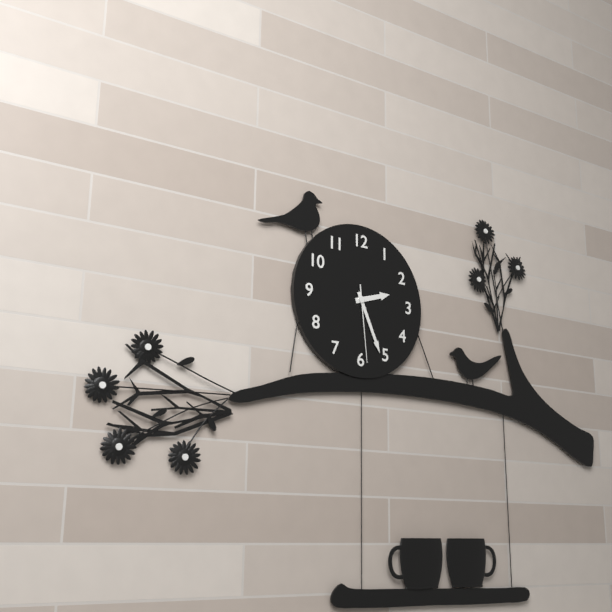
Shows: 2:26:29
